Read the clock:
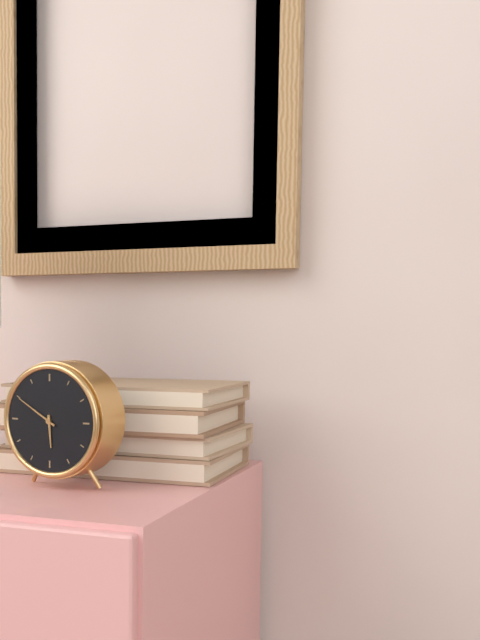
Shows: 5:50
